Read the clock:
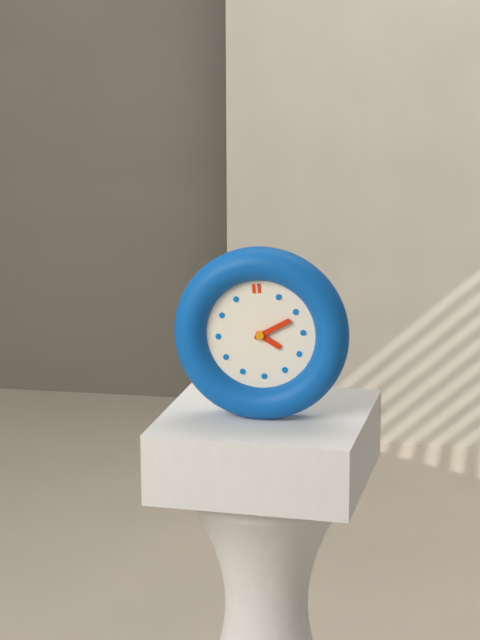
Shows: 4:11
